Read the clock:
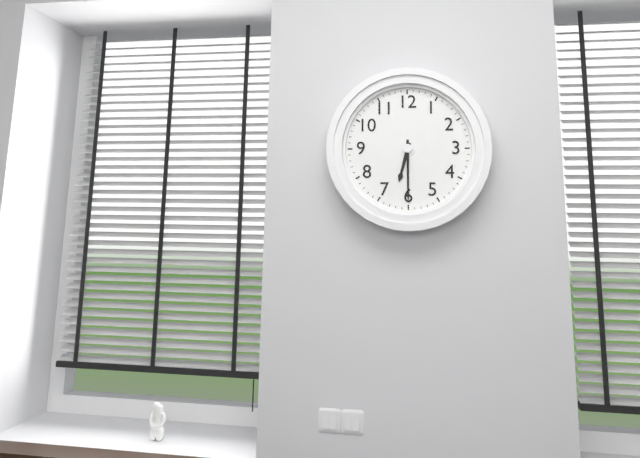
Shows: 6:30
